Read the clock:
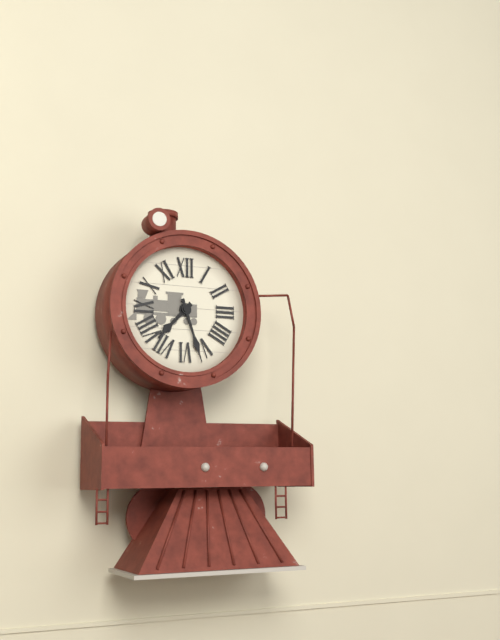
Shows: 7:27
